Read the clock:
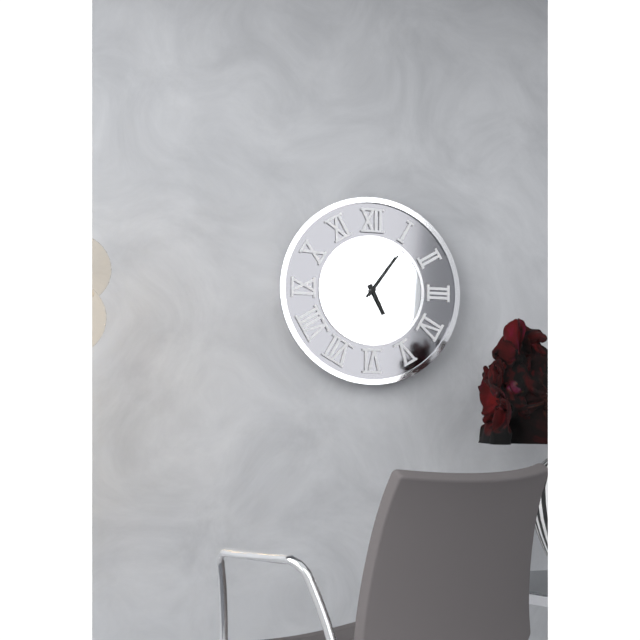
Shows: 5:06
